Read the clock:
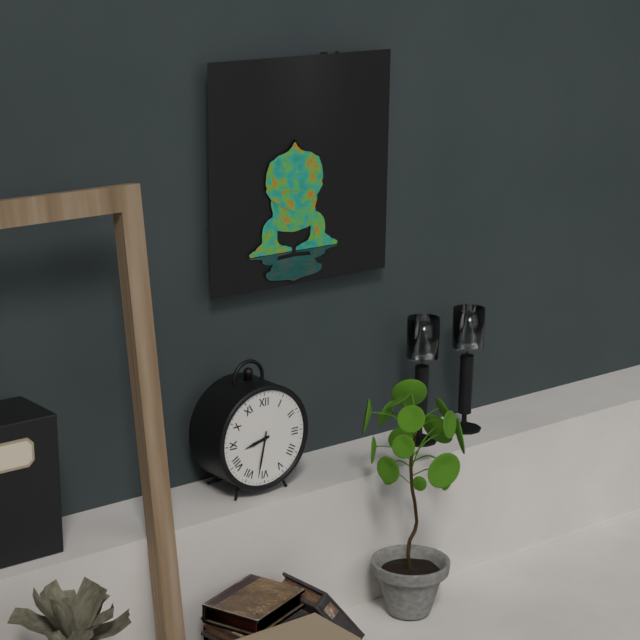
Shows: 8:32
